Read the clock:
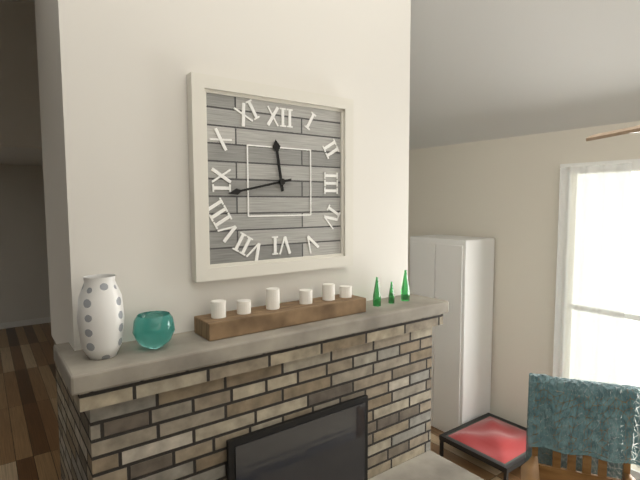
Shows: 11:43
